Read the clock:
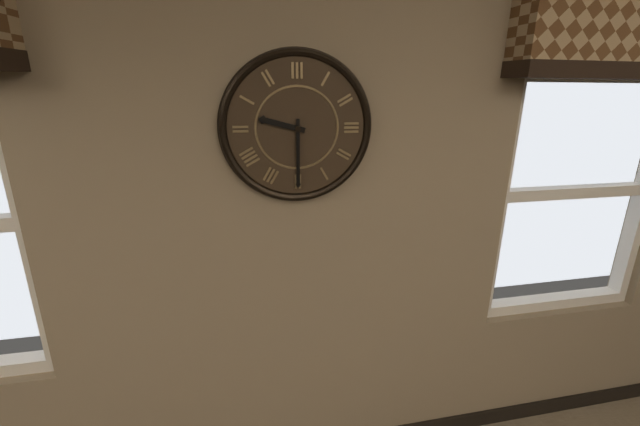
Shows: 9:30
